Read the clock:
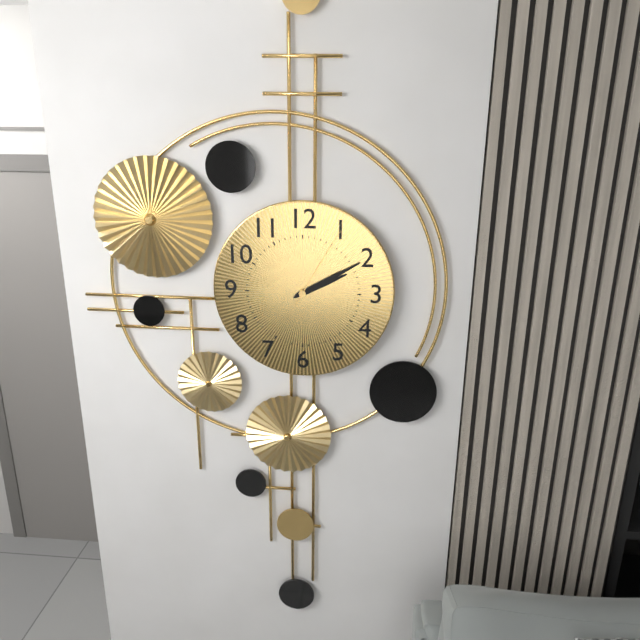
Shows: 2:10:05
